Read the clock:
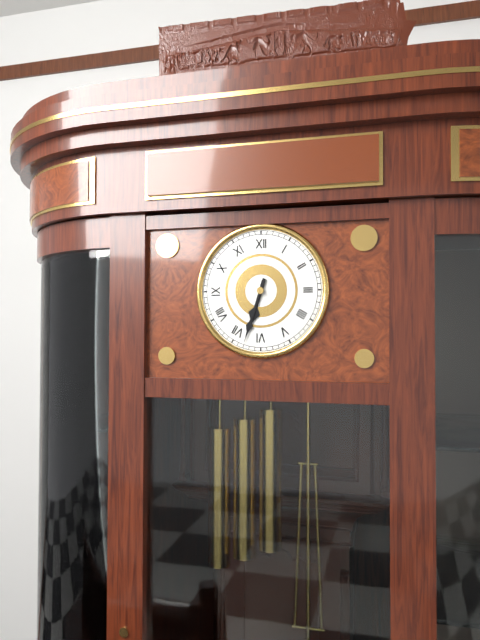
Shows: 6:33
